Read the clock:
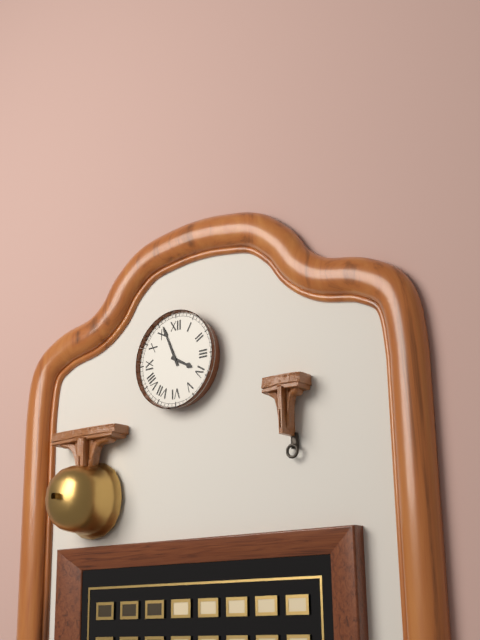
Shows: 3:56
